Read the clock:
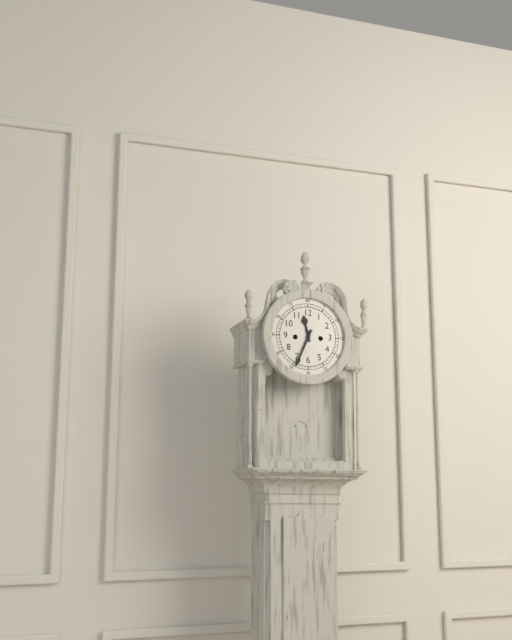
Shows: 11:34
